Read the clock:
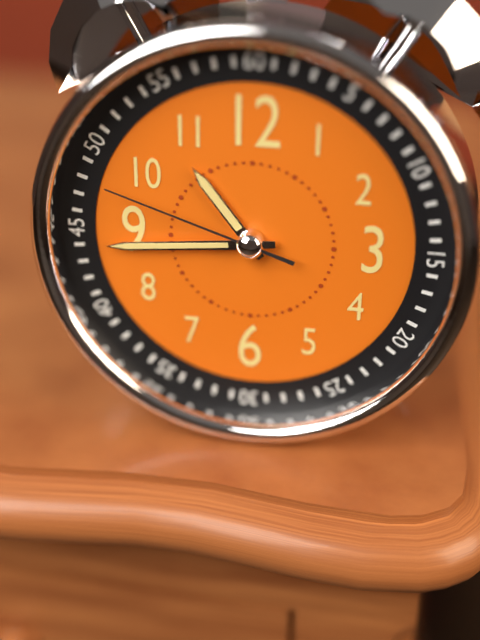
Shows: 10:44:48
